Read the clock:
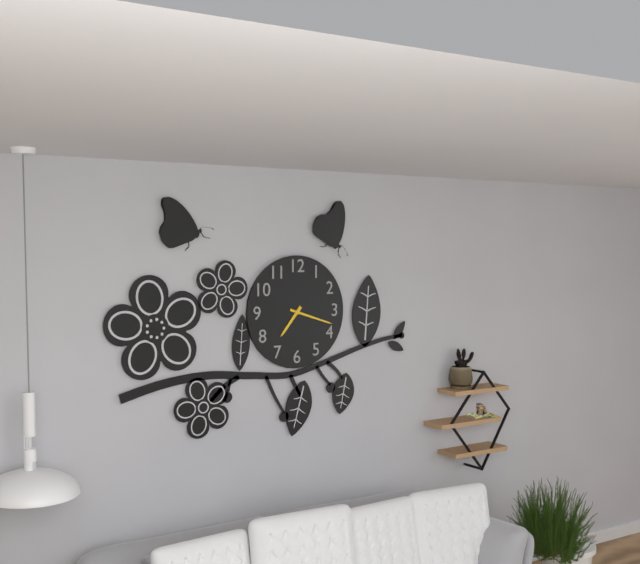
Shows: 7:18
